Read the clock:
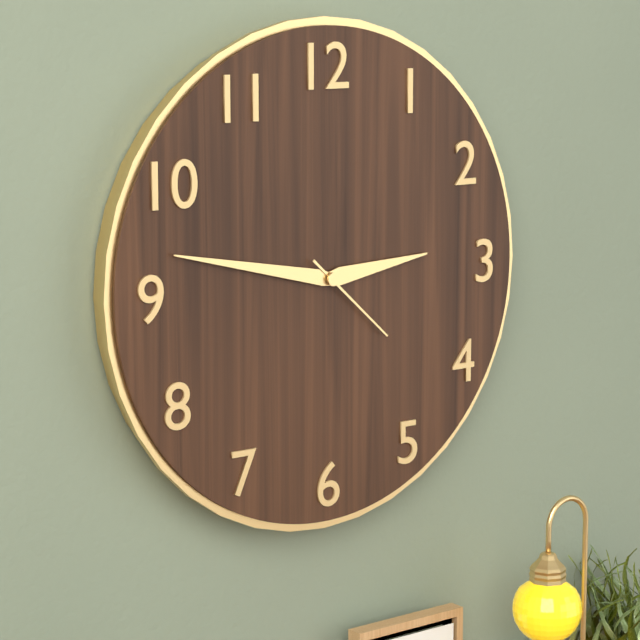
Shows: 2:47:22
